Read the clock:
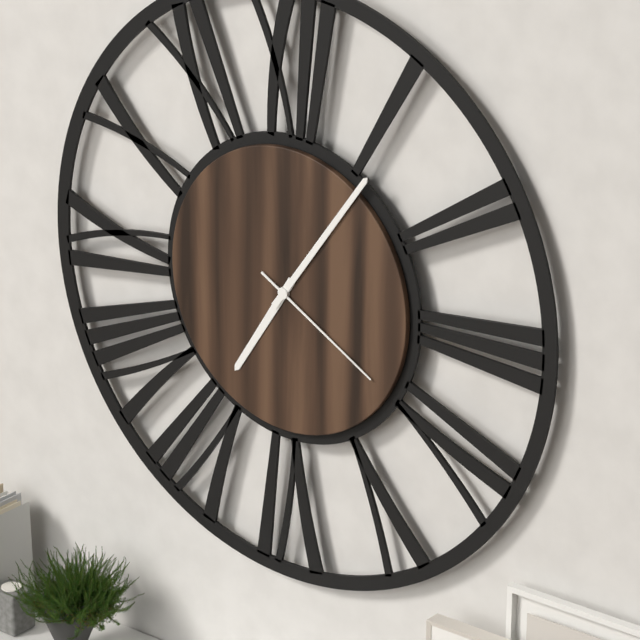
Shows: 7:06:20
